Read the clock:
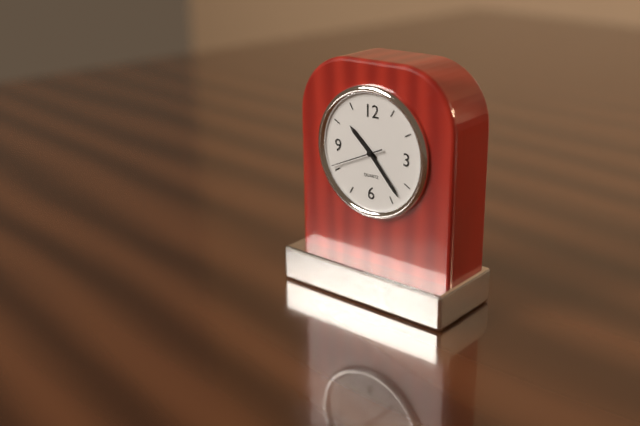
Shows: 10:23:41
